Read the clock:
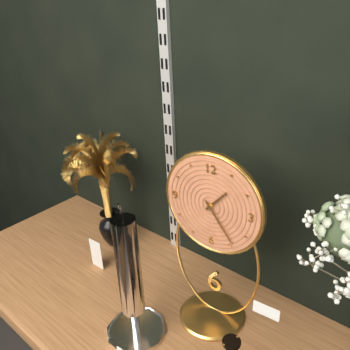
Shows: 1:24
